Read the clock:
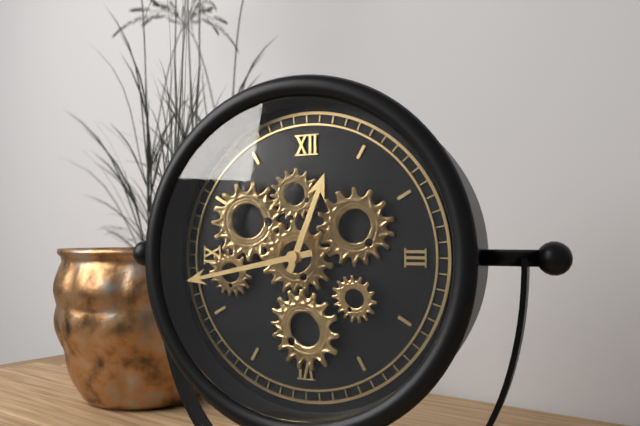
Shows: 12:43
